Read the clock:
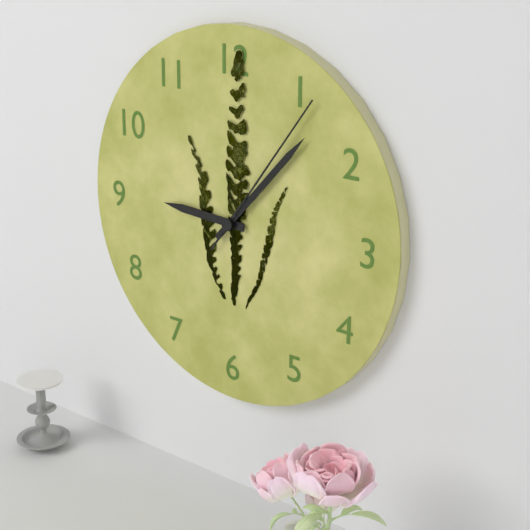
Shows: 9:07:06
